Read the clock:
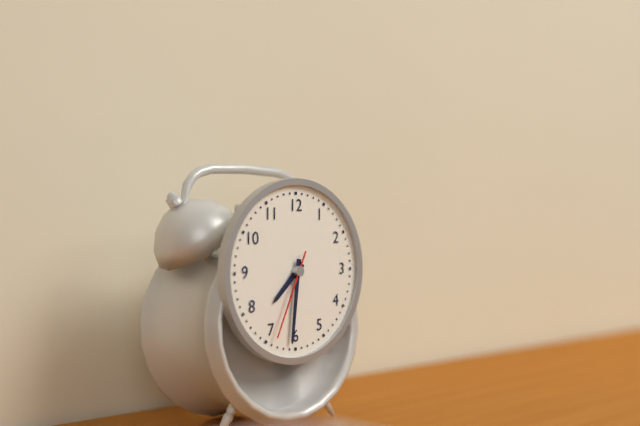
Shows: 7:31:34
